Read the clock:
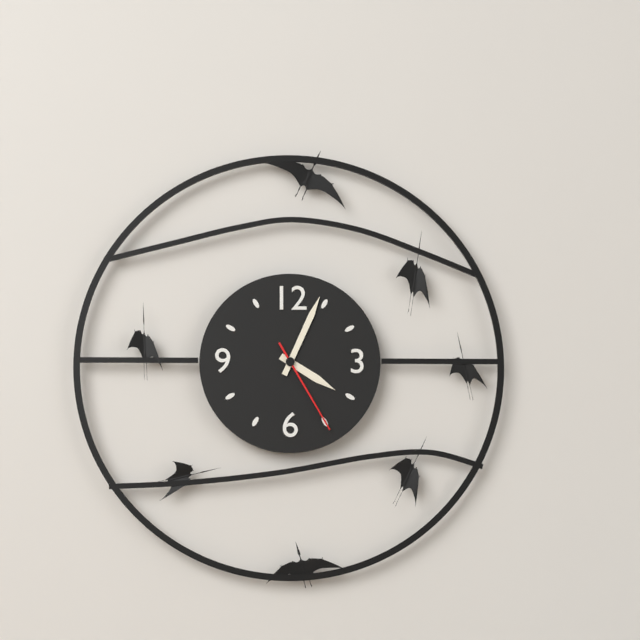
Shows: 4:04:25
